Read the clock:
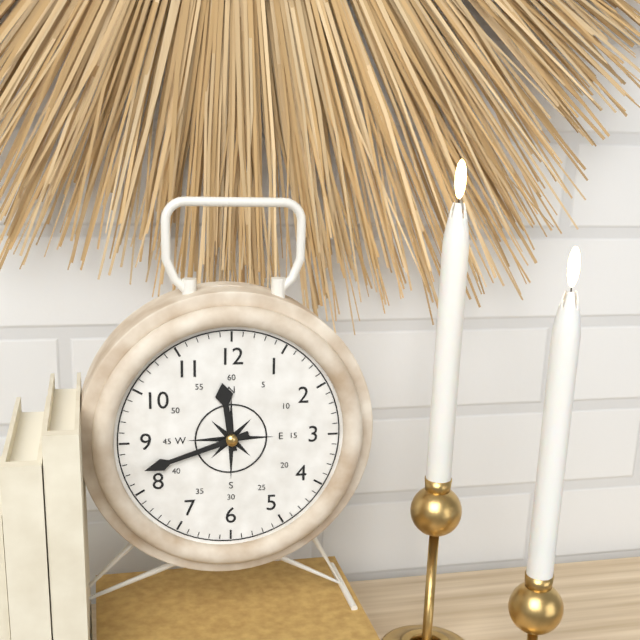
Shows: 11:42
